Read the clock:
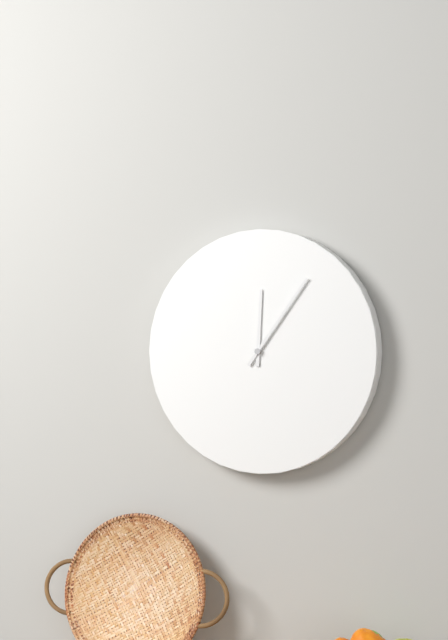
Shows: 12:06
